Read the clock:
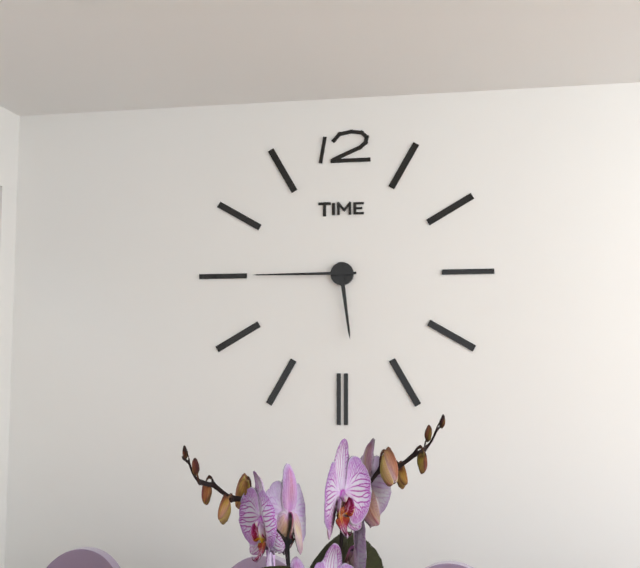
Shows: 5:45
